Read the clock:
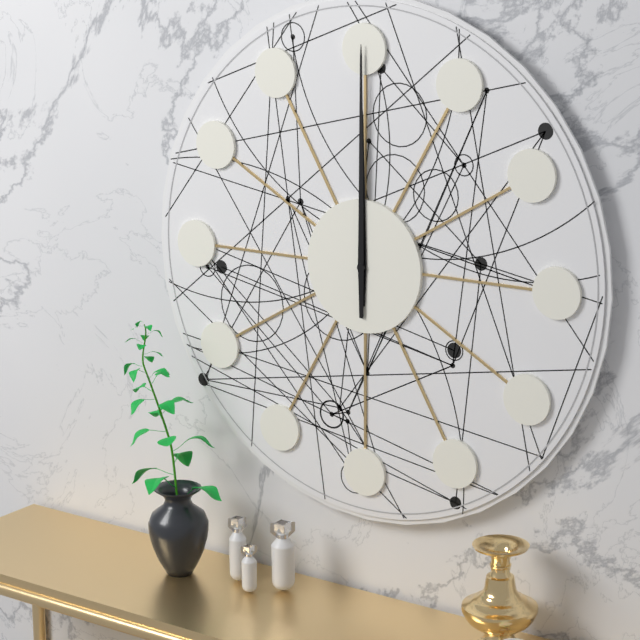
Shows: 12:00
